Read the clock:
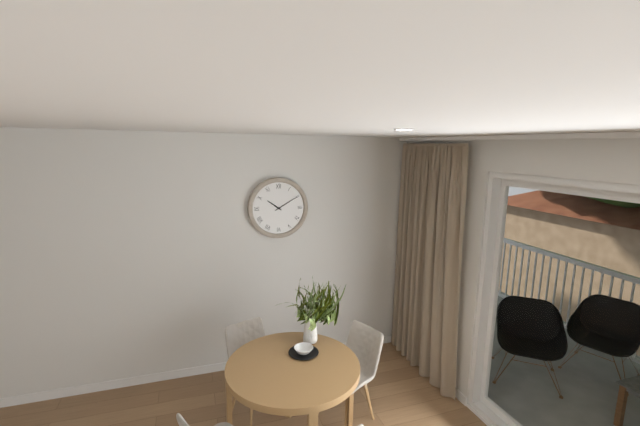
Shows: 10:10
